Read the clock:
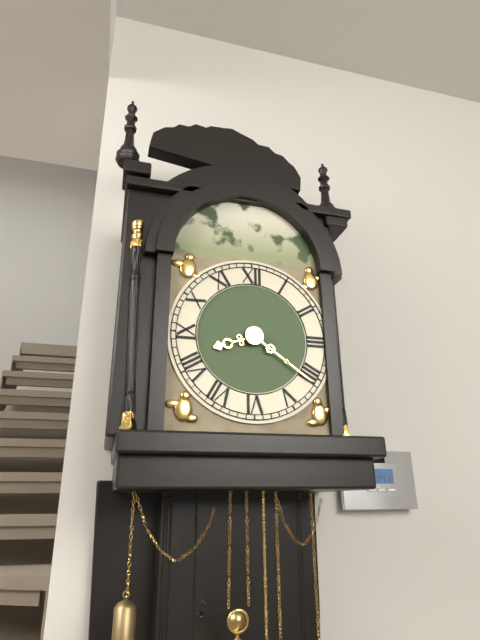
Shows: 8:21
